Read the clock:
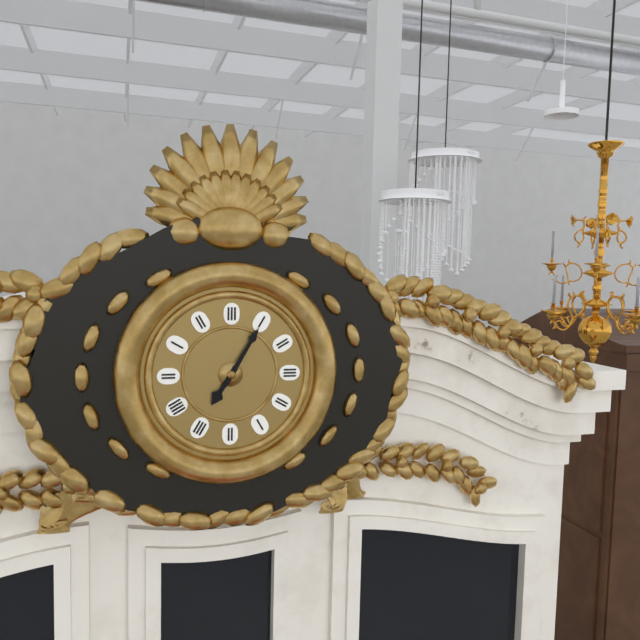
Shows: 7:05
